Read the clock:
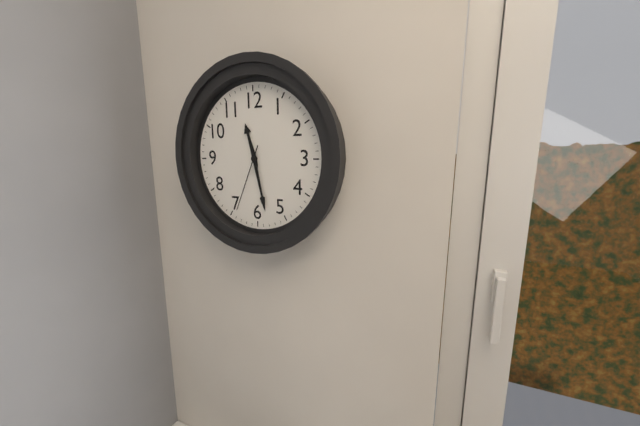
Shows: 11:28:34
